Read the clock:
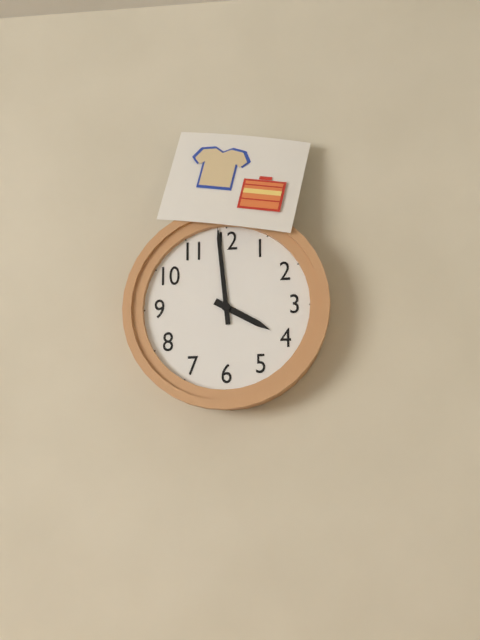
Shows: 3:59
